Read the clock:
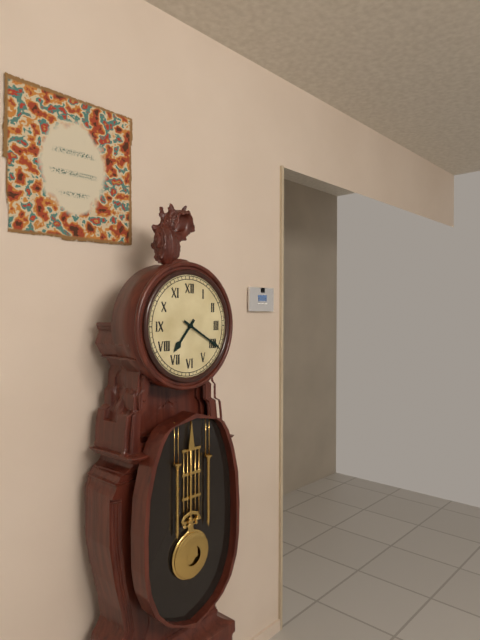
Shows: 7:20
